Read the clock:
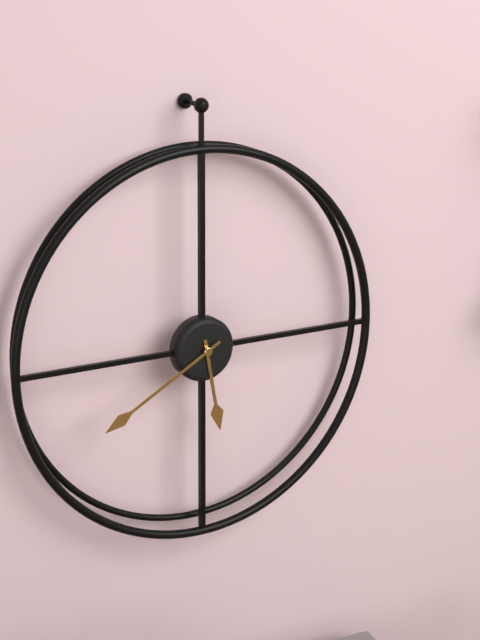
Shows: 5:40
